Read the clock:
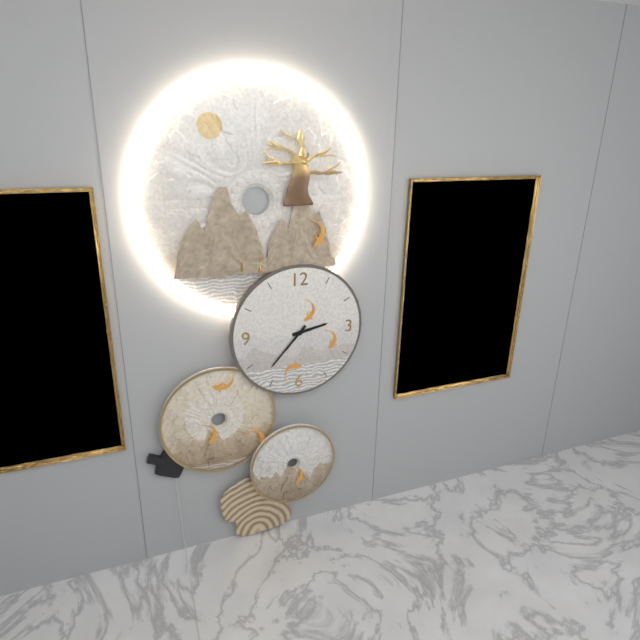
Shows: 2:37
